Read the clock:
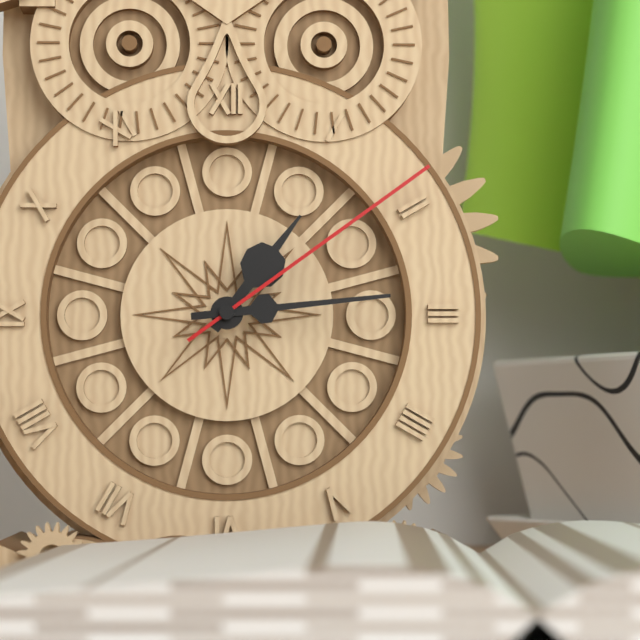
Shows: 1:14:09
